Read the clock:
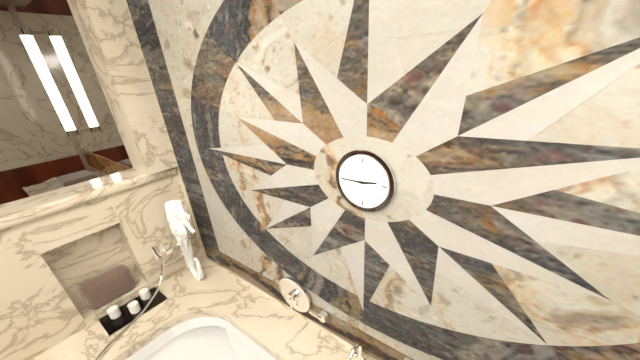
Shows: 2:45
